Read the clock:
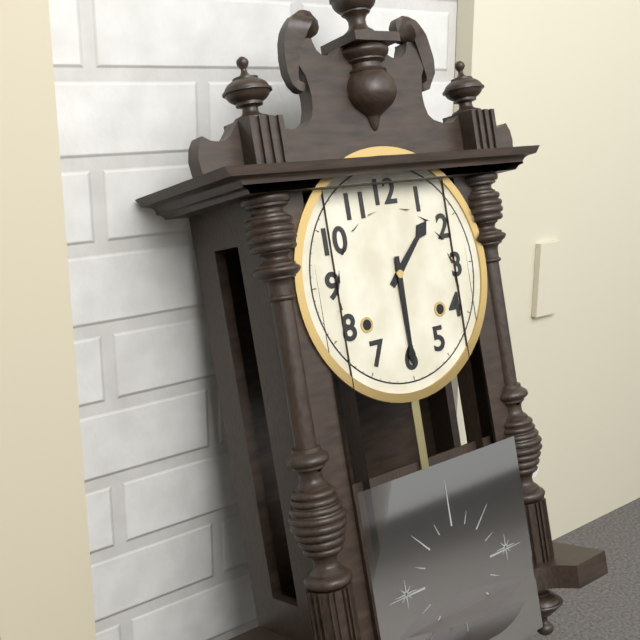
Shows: 1:30
